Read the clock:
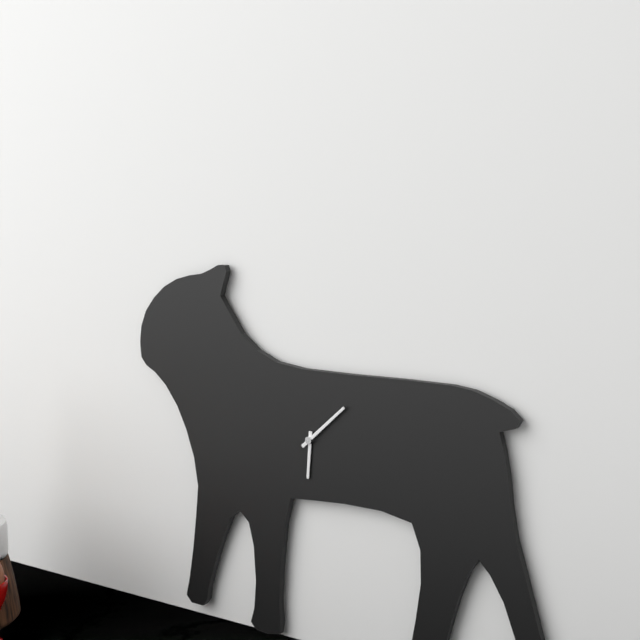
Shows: 6:08
